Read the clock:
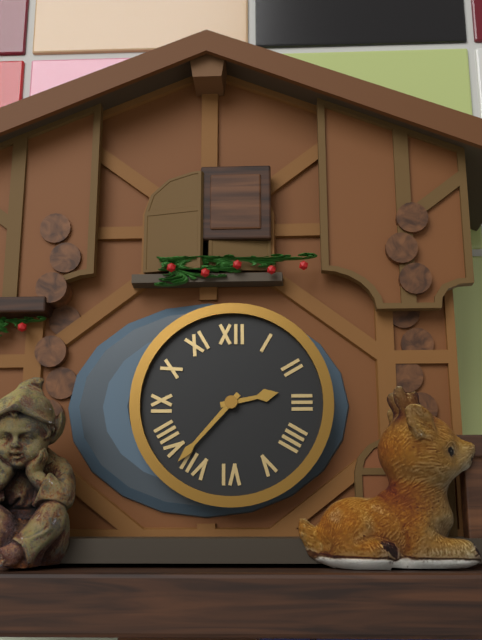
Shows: 2:37
